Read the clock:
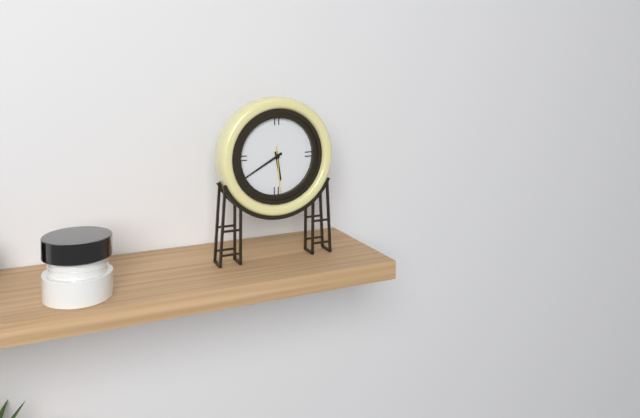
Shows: 5:40
